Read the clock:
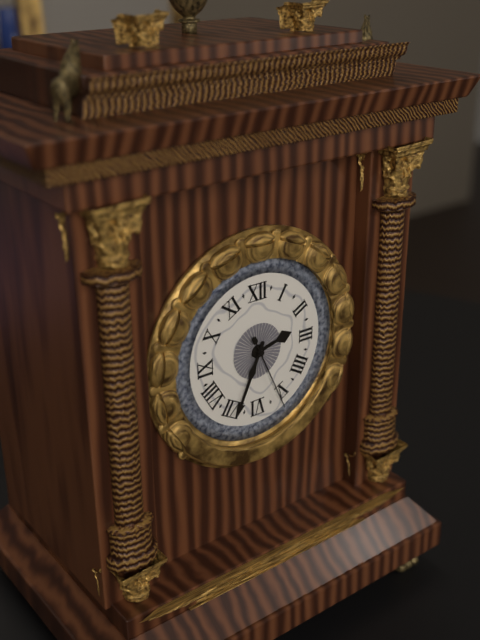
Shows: 2:34:26
